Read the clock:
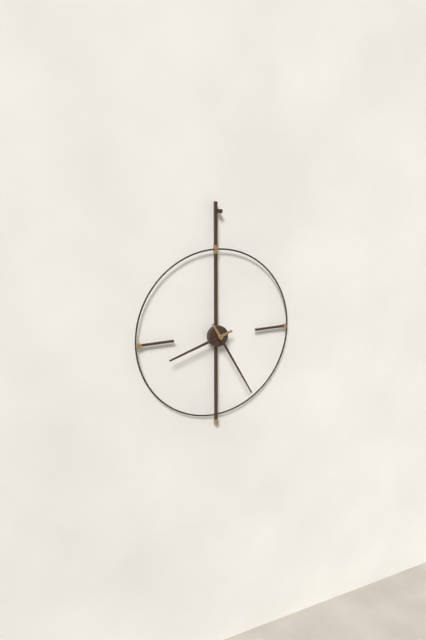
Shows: 8:25
